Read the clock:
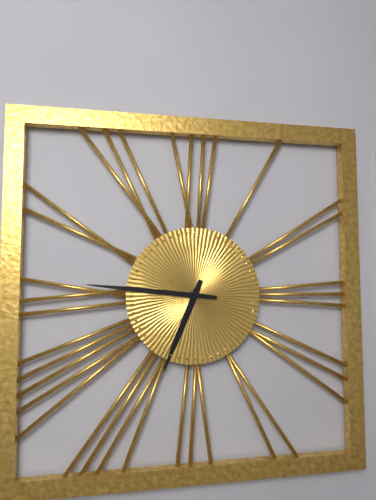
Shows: 6:46
